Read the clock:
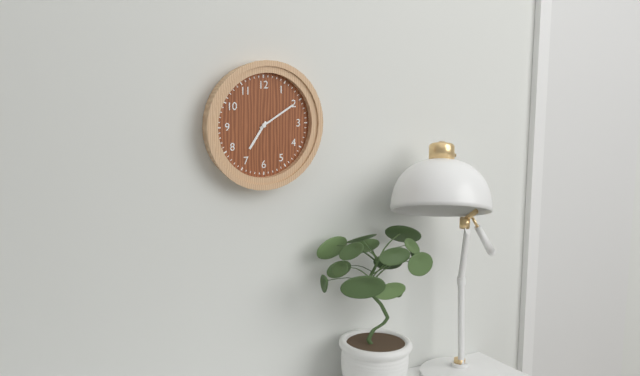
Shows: 7:10
